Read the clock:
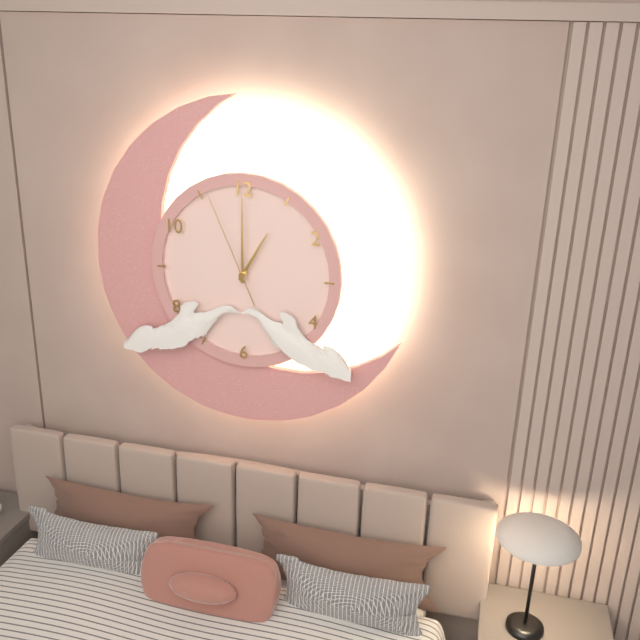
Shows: 1:00:56
